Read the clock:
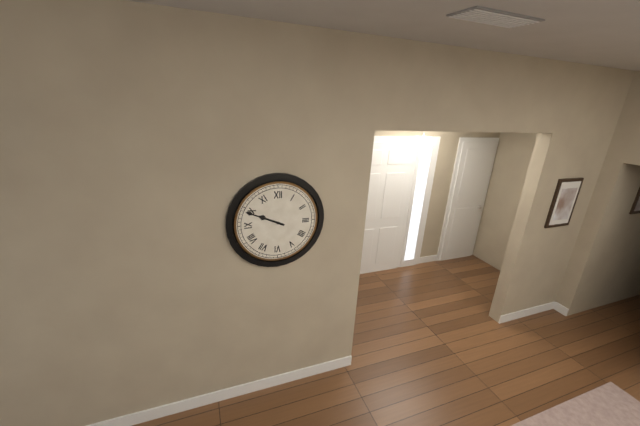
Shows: 9:49
